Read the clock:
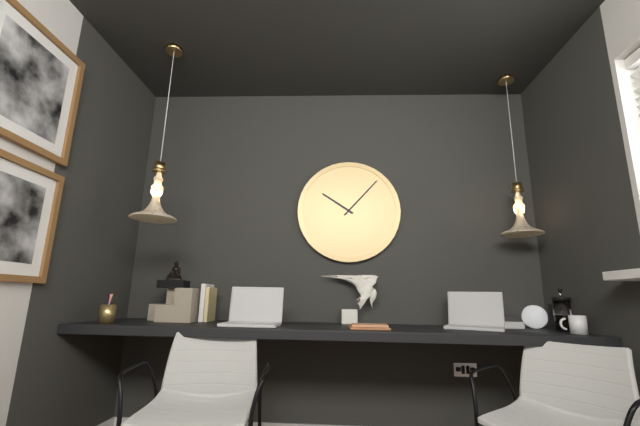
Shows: 10:07
